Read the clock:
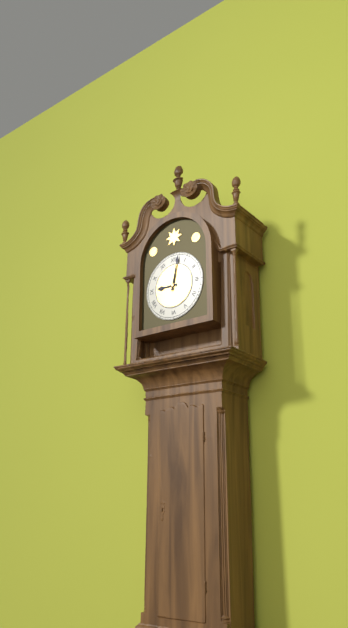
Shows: 9:02
